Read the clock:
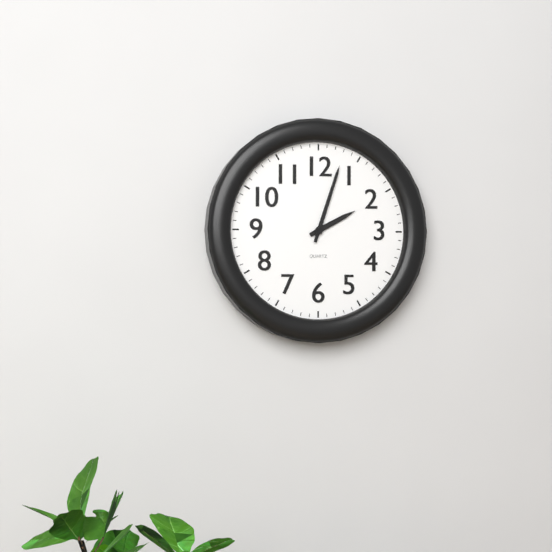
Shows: 2:03
